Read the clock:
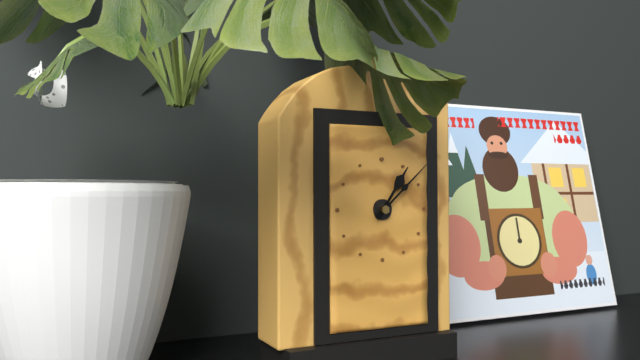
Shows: 1:08
